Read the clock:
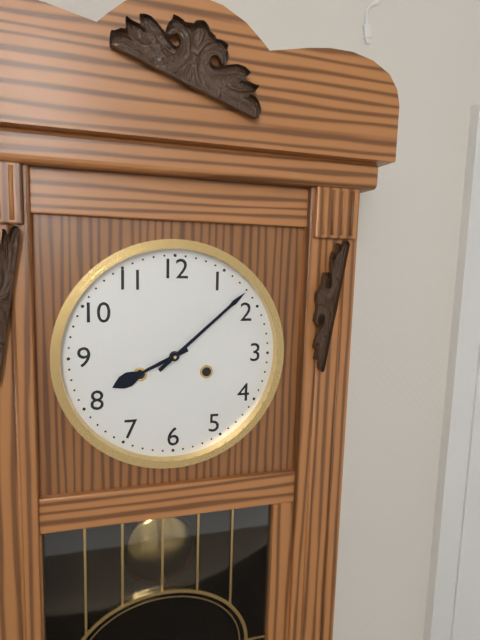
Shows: 8:08
